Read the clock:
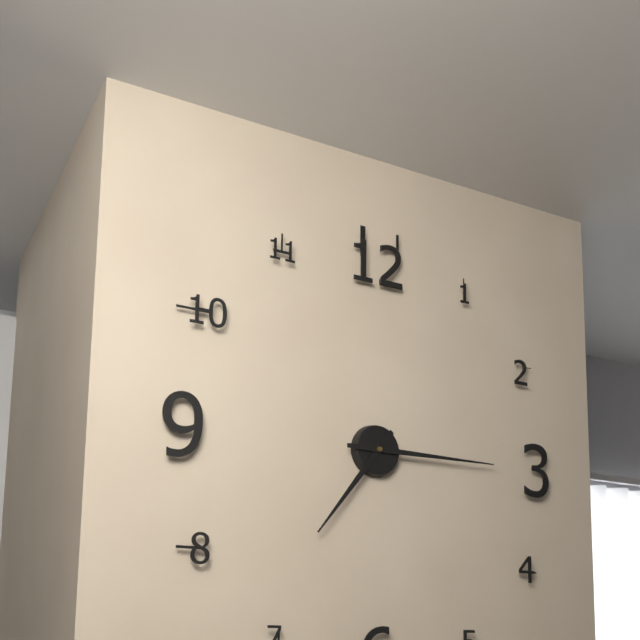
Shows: 7:15
